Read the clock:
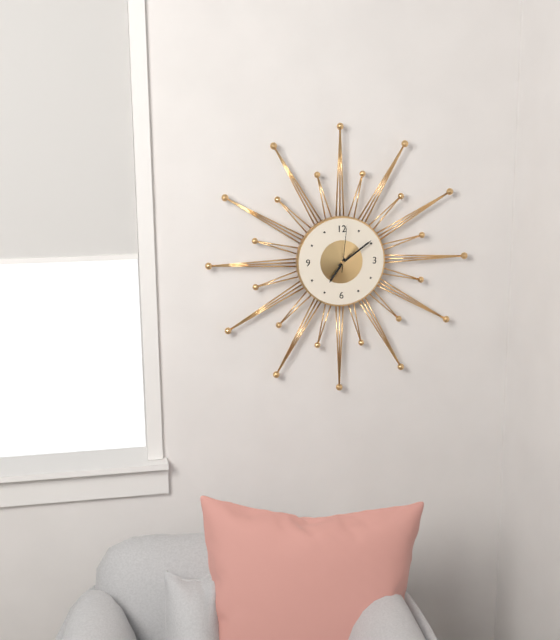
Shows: 7:09
